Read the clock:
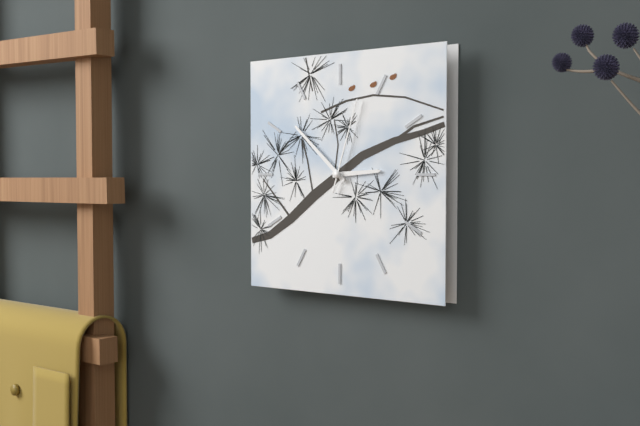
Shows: 2:52:03
